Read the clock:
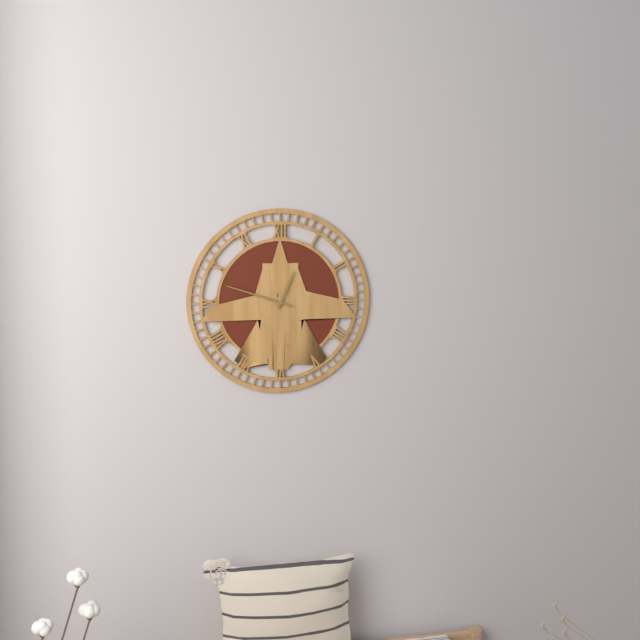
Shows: 12:48
